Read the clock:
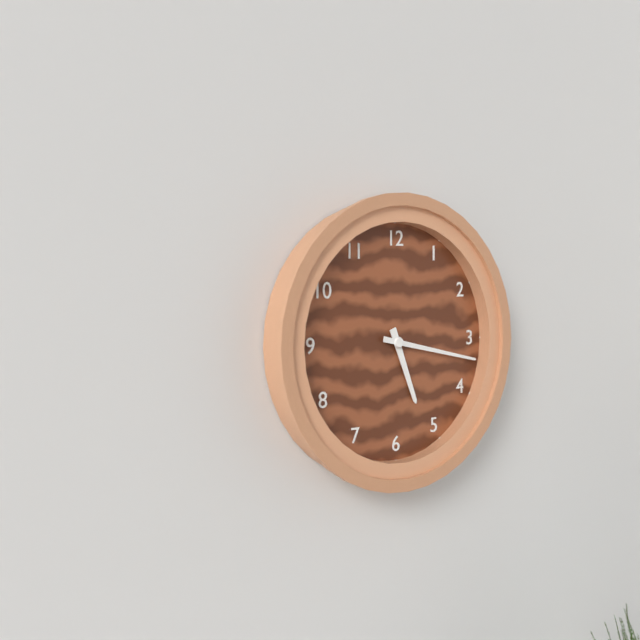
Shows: 5:17
